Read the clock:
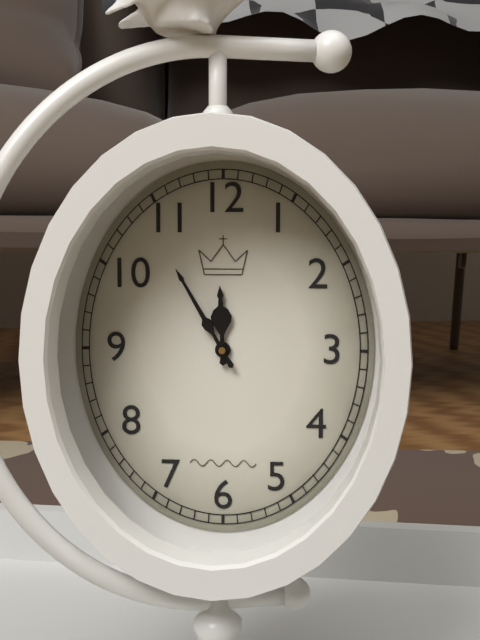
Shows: 11:55
